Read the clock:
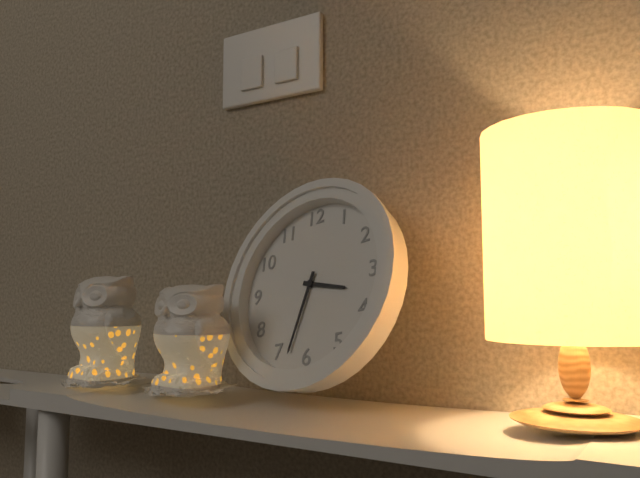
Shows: 3:33
